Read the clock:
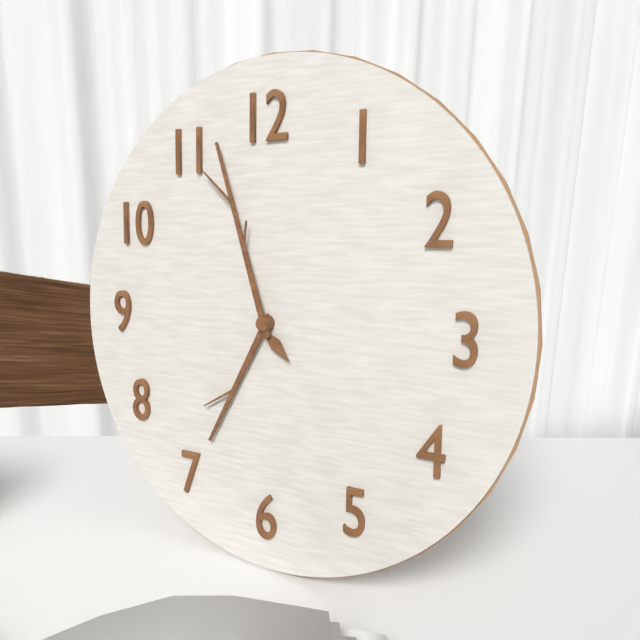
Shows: 6:57
